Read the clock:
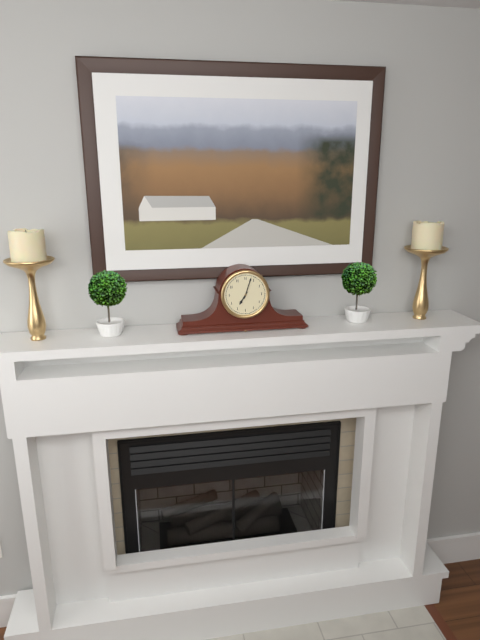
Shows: 7:03
